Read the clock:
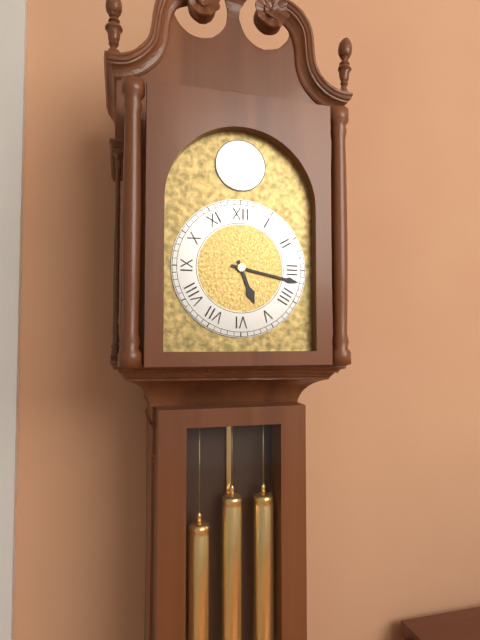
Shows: 5:17
